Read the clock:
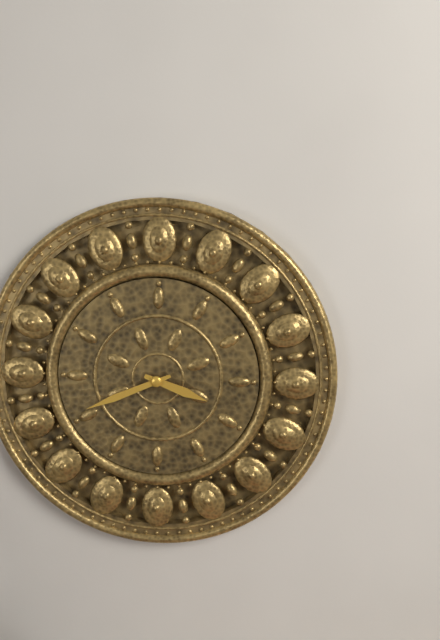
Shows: 3:41
